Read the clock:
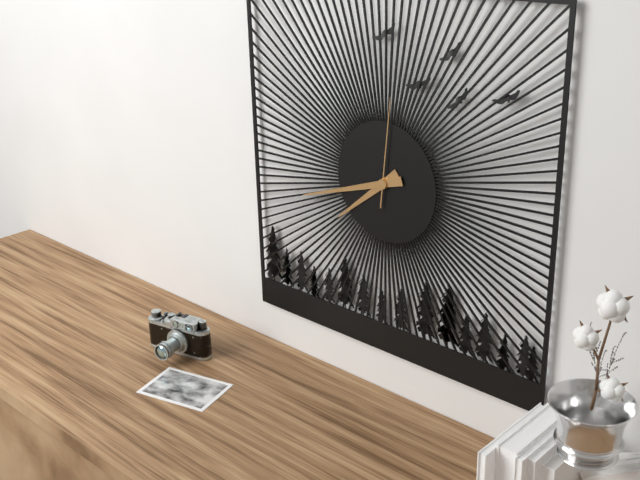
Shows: 7:42:01
